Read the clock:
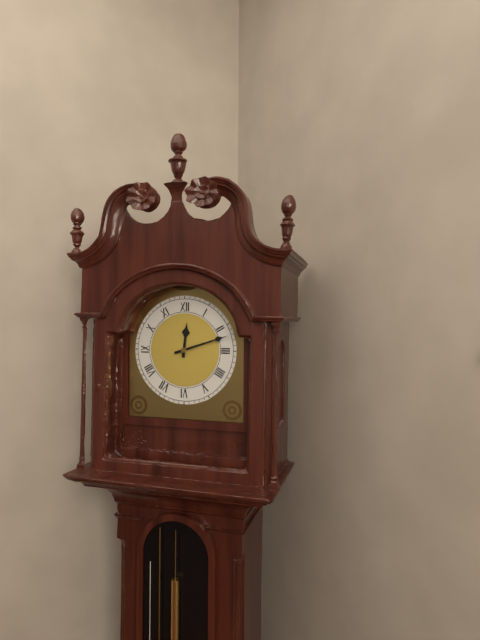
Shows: 12:12
